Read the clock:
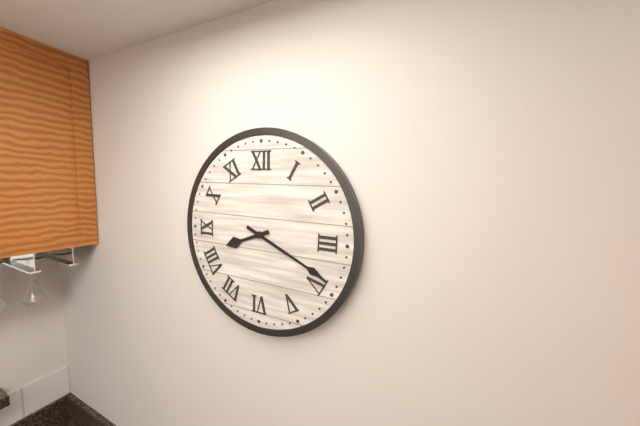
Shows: 8:19
